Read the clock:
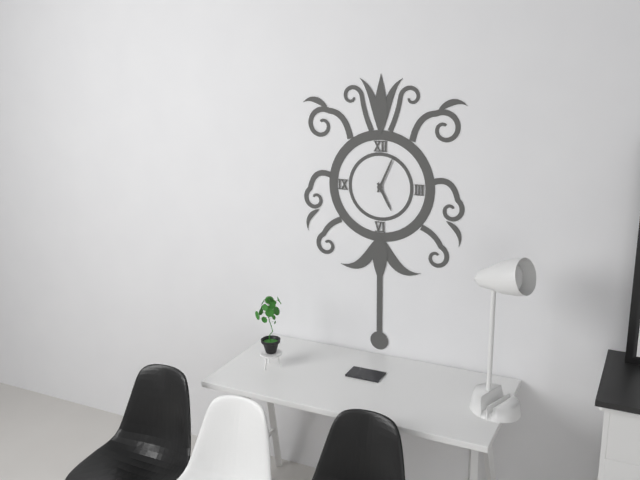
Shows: 5:04
